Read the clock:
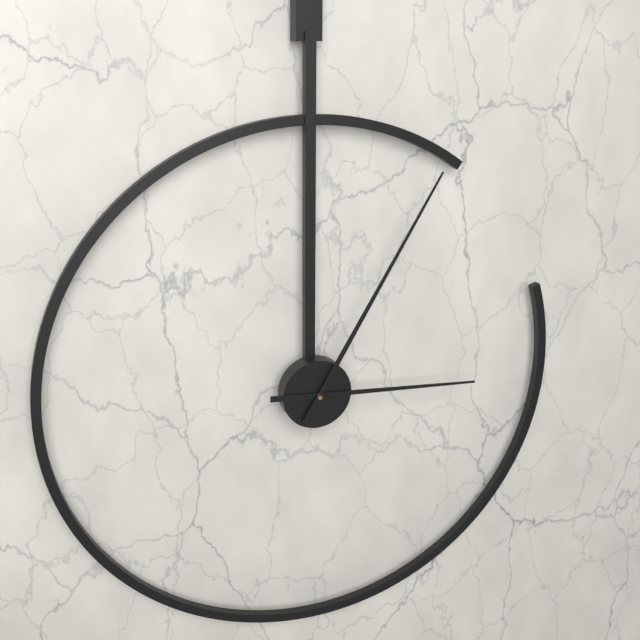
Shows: 3:05
